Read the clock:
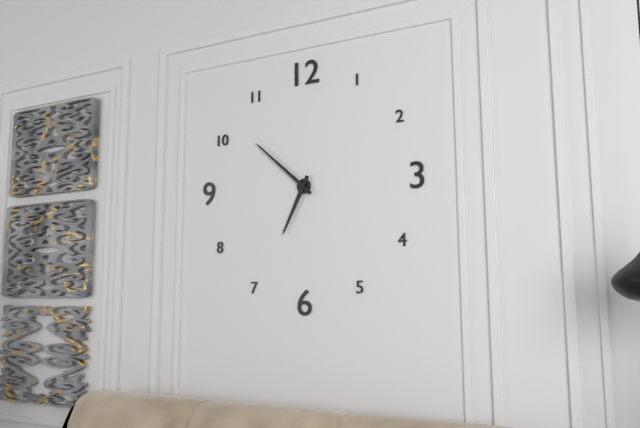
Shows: 6:52
